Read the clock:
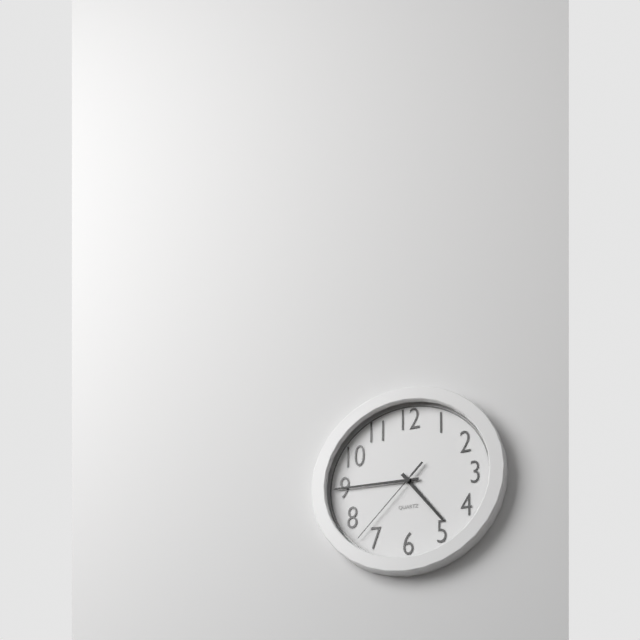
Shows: 4:45:37
